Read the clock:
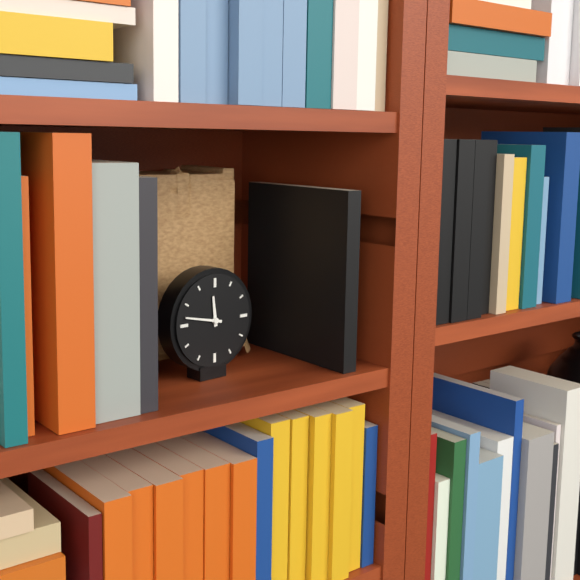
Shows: 11:47
